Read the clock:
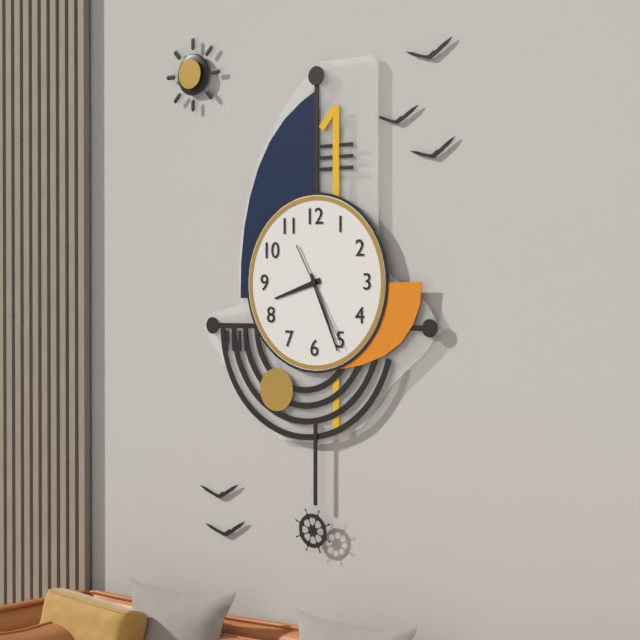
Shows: 8:26:25
